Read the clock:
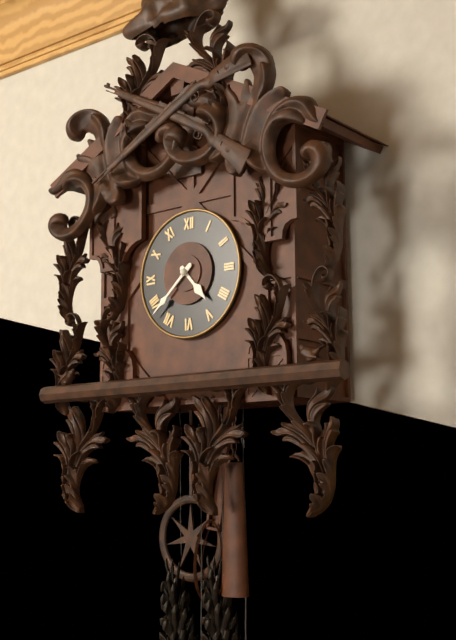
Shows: 4:38
